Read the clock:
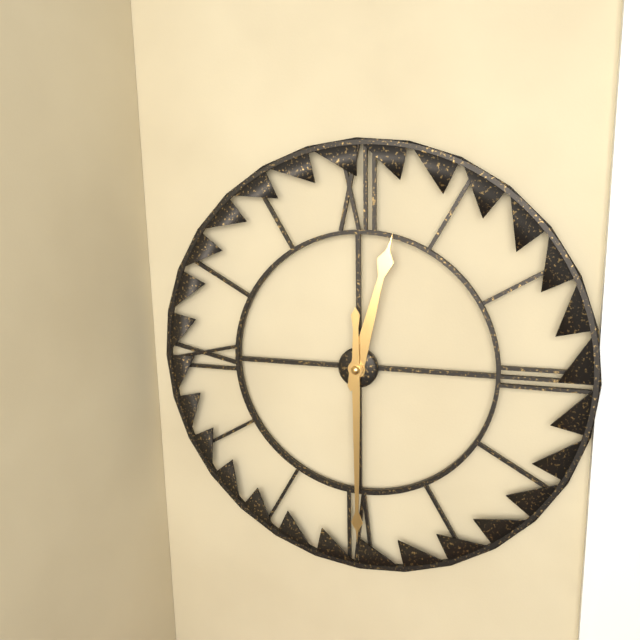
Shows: 12:30
